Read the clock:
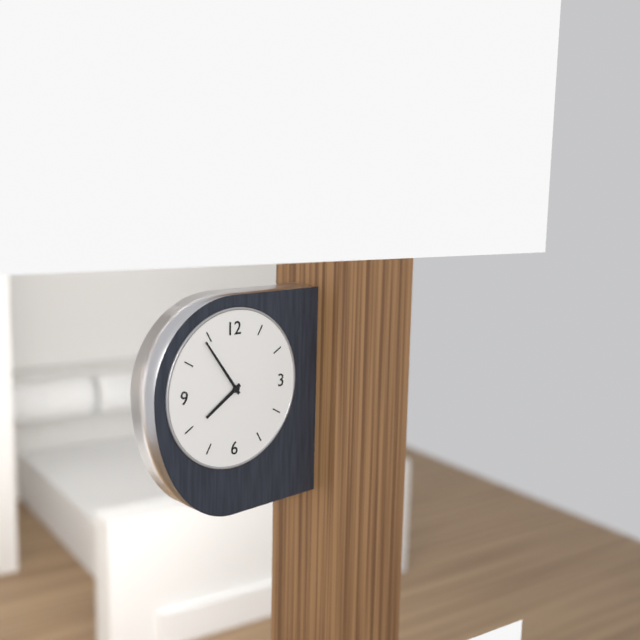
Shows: 7:54
